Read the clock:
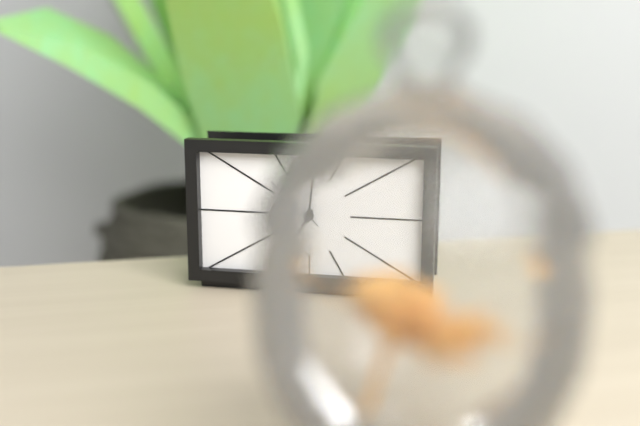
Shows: 7:01:52
